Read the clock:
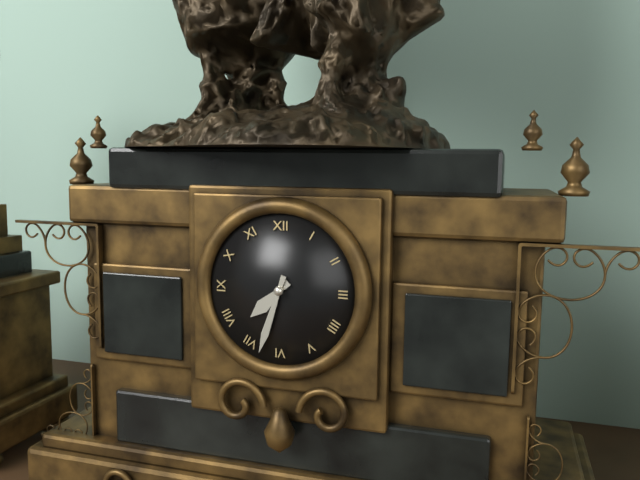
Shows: 7:33
